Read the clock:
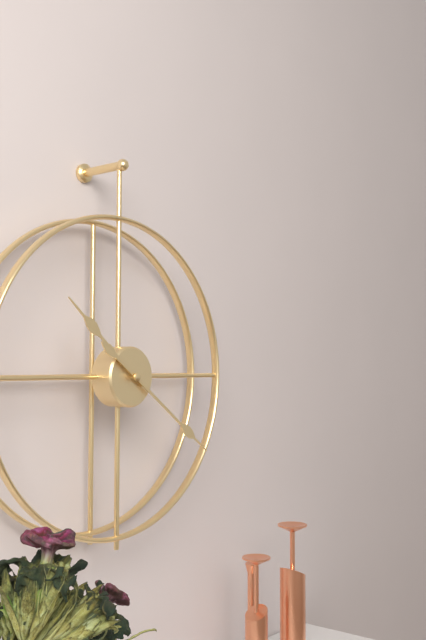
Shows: 10:21
